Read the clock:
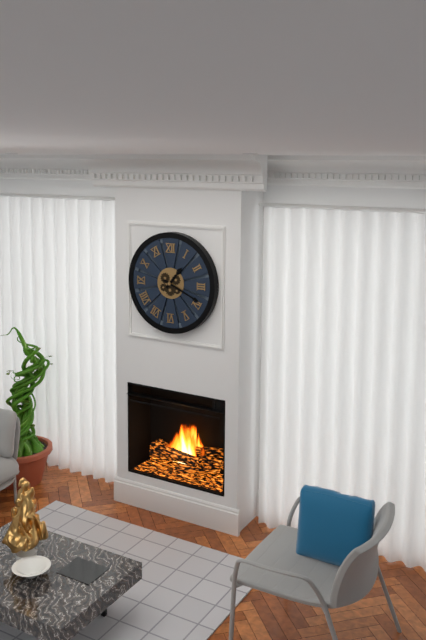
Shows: 1:19
